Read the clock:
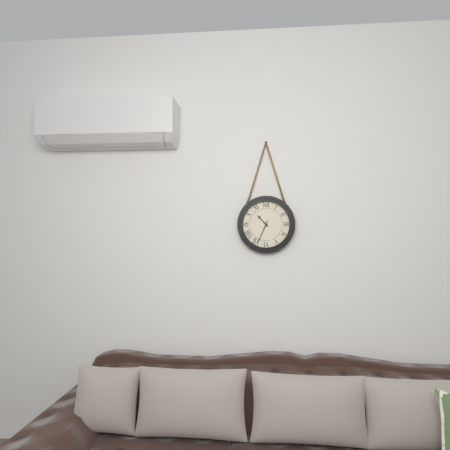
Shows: 10:34
